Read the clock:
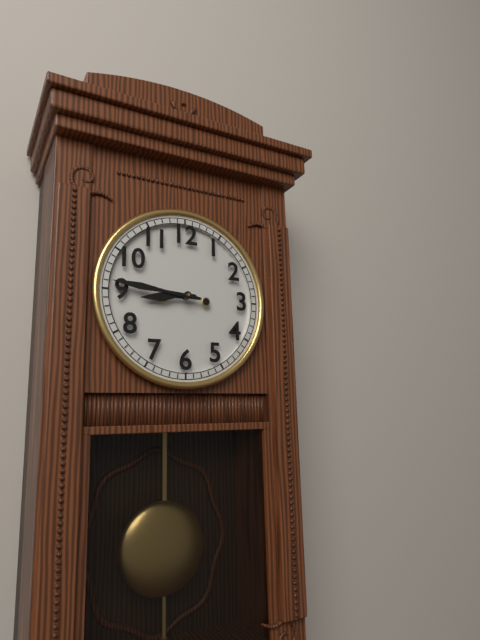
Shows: 8:46
